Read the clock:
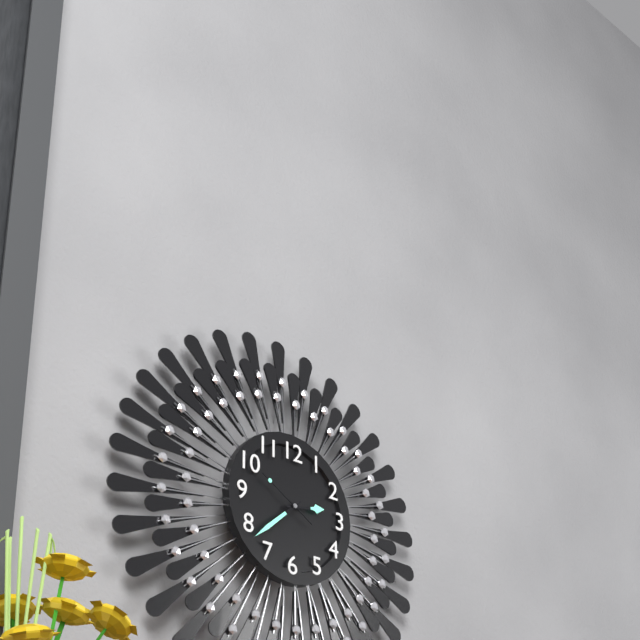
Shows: 2:38:50
